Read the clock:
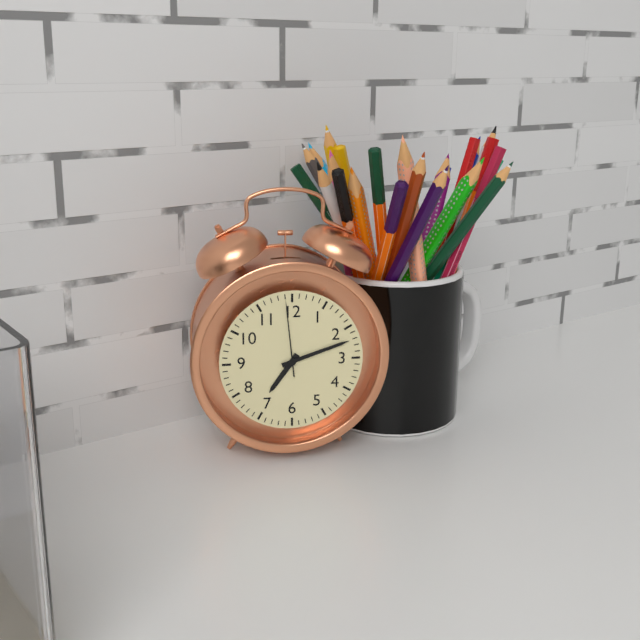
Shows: 7:12:59
